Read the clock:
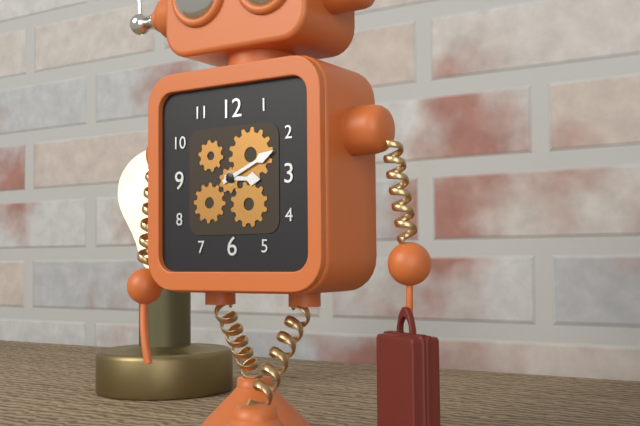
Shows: 3:11
